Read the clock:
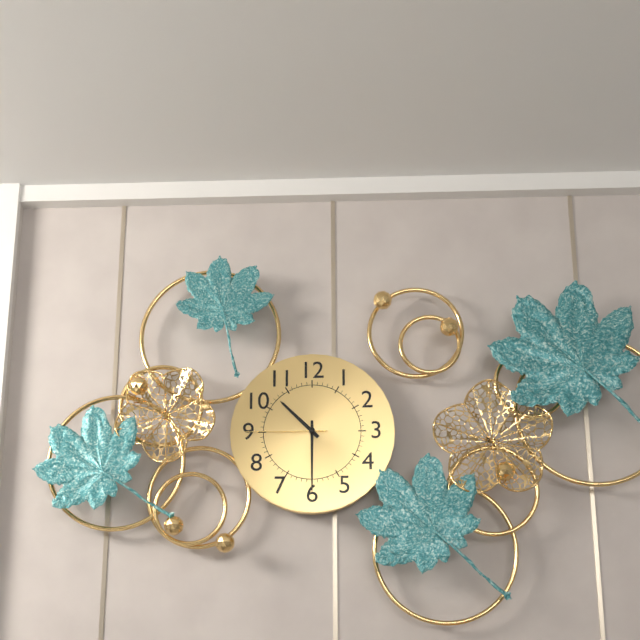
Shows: 10:30:45
